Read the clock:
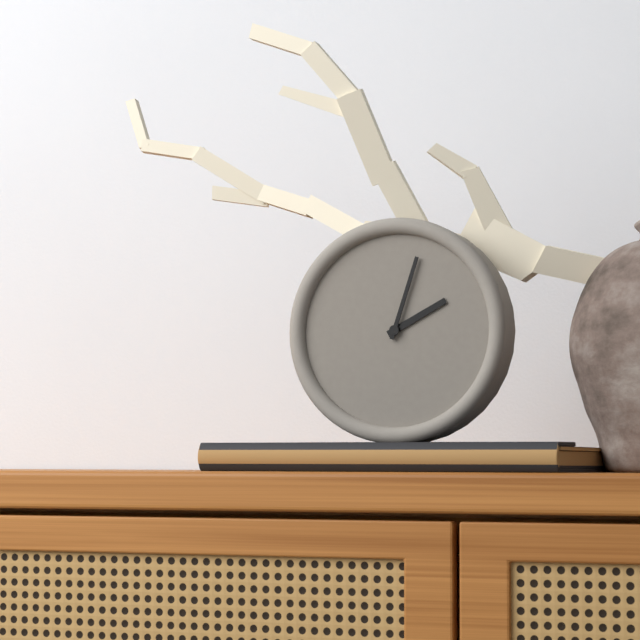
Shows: 2:03
